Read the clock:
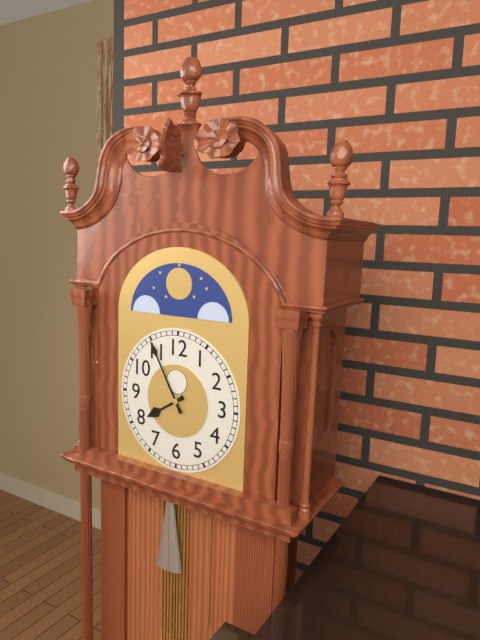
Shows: 7:55
